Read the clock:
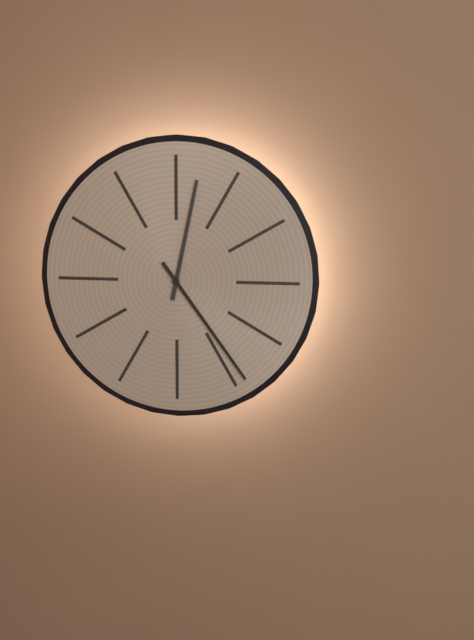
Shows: 12:24
